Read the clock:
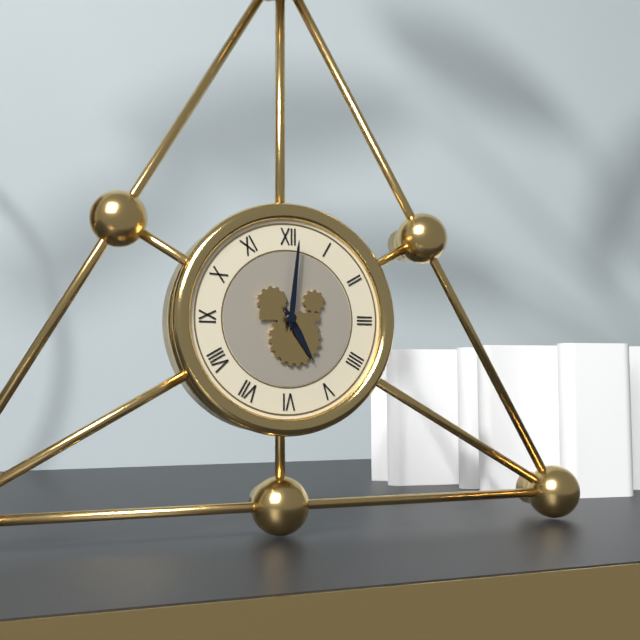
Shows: 5:01
